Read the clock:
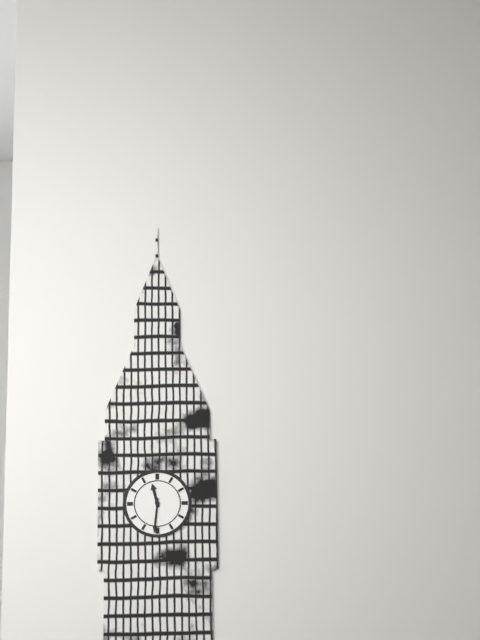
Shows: 11:31
